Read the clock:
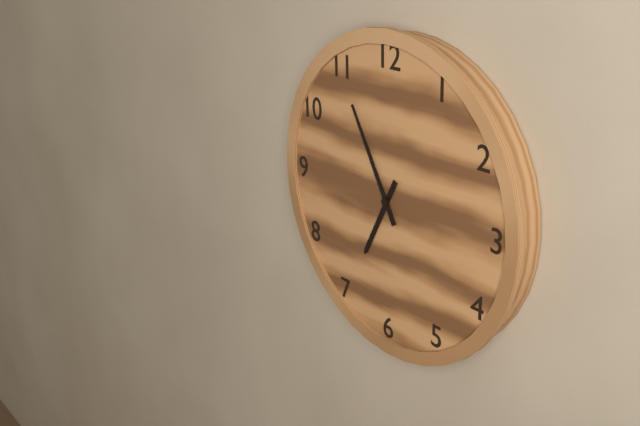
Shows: 6:55
